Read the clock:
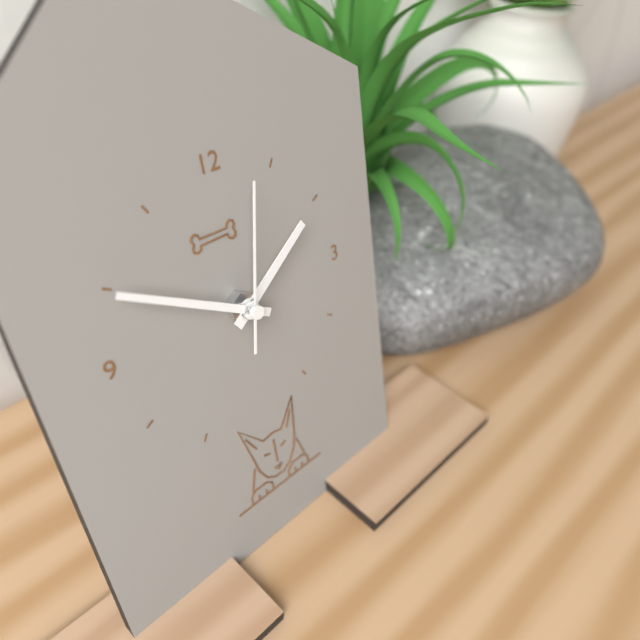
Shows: 1:50:02
